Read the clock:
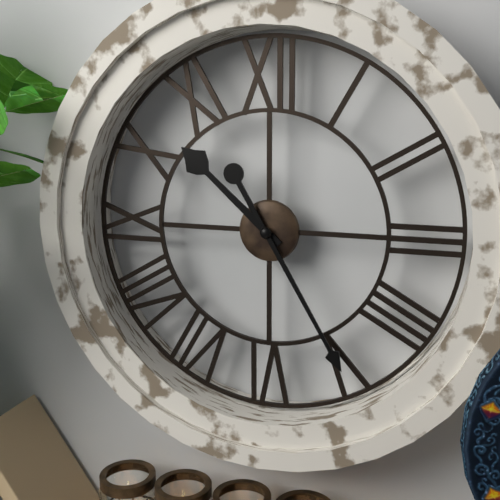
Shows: 10:25
